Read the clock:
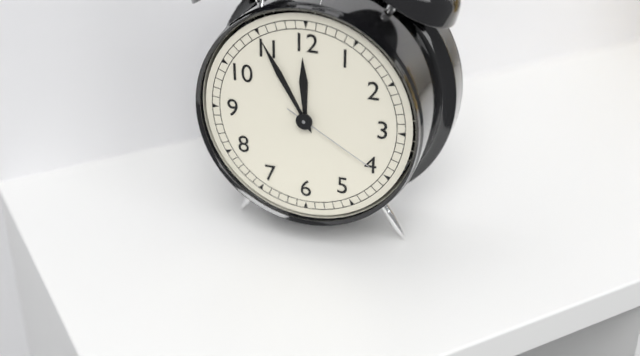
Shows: 11:55:20
